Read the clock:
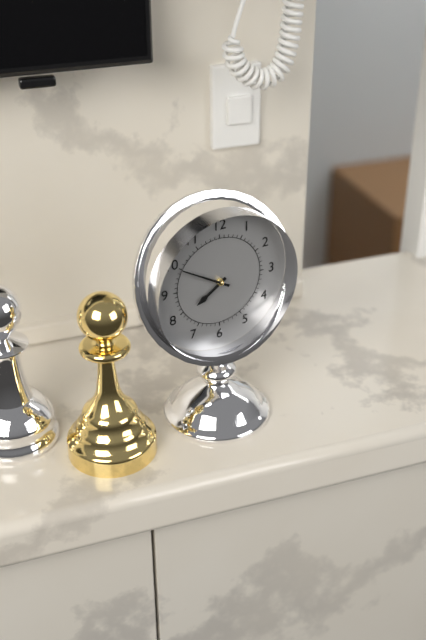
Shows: 7:50
